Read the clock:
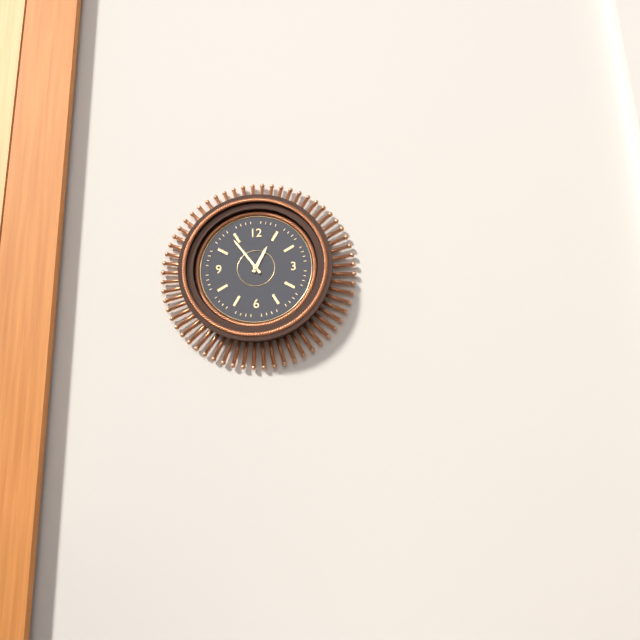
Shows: 12:54
